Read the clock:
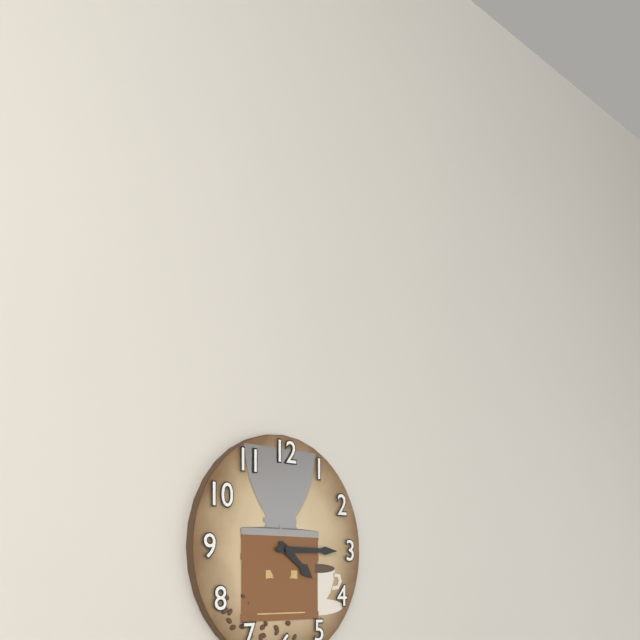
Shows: 4:15
